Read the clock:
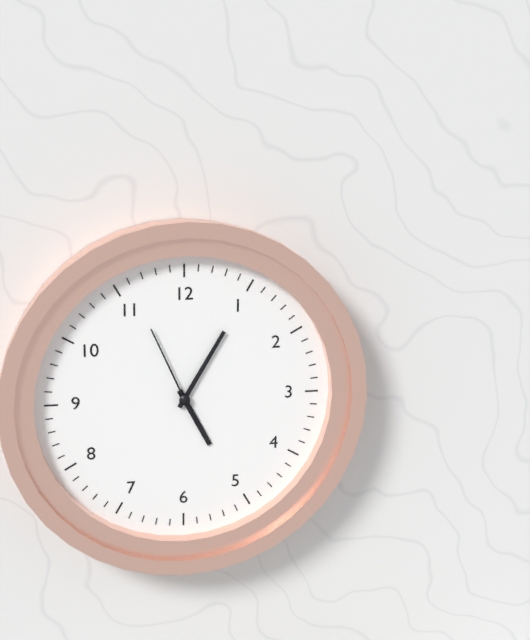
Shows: 5:05:56
